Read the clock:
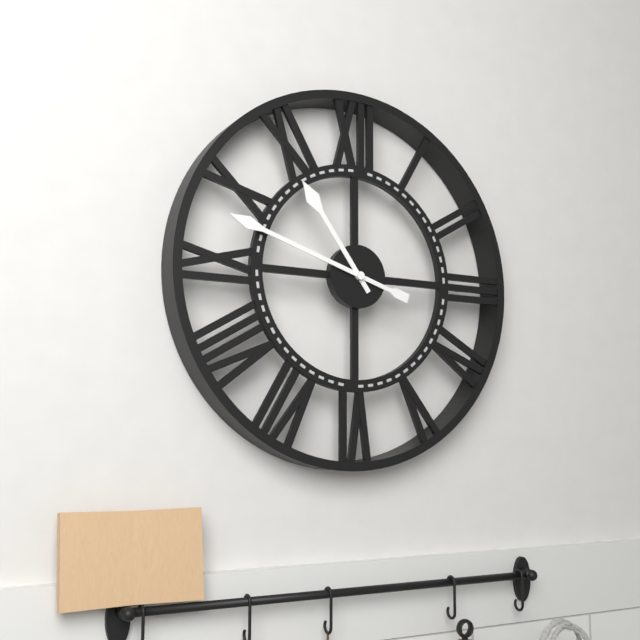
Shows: 10:48
